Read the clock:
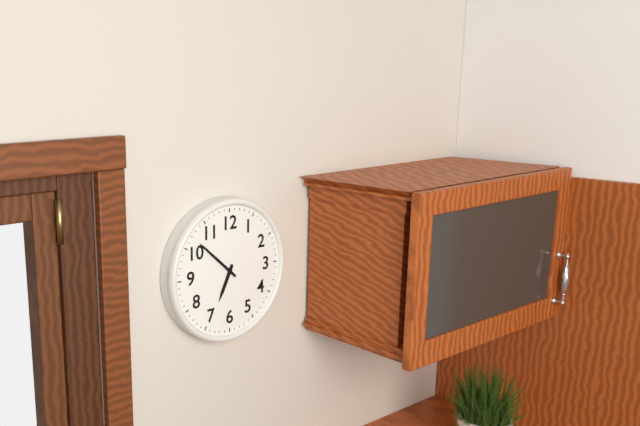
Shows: 6:52
